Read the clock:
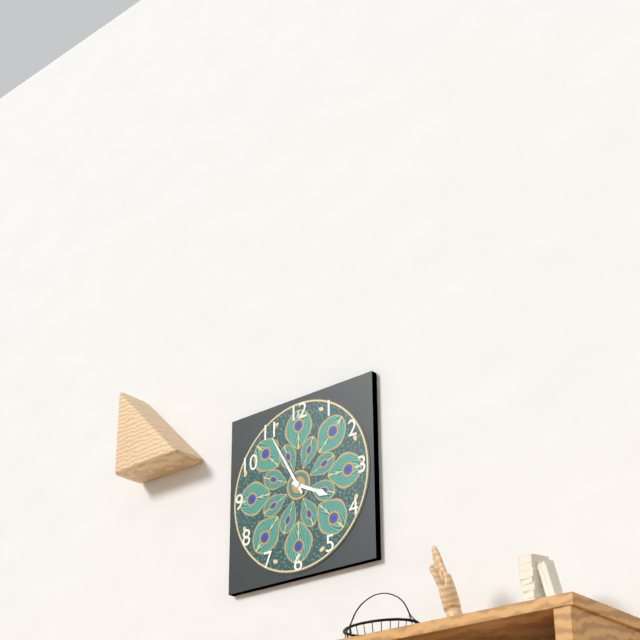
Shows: 3:55
